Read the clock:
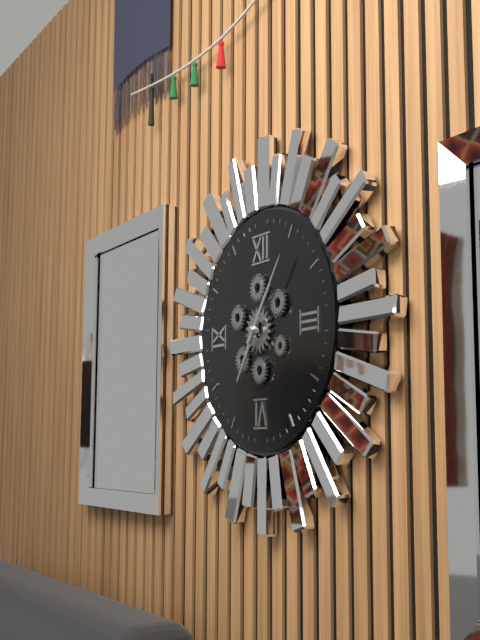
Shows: 7:06
